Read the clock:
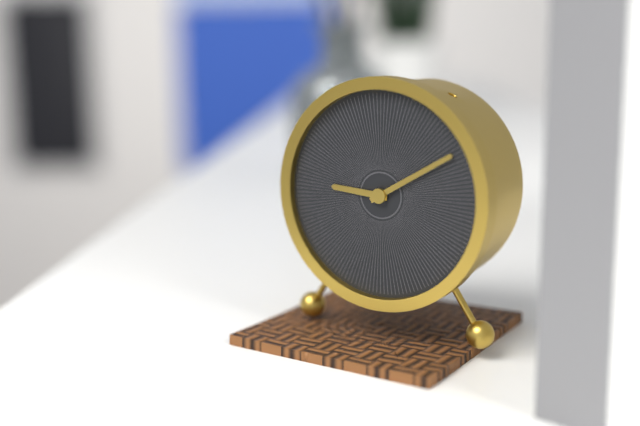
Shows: 9:10
